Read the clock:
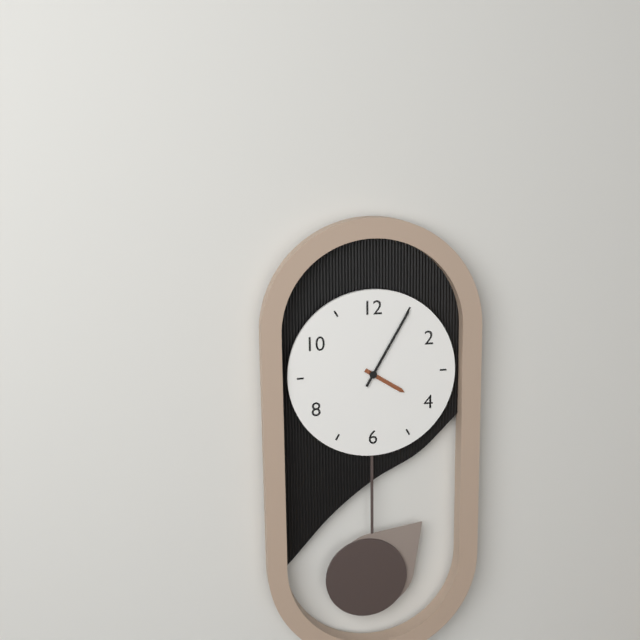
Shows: 4:05
